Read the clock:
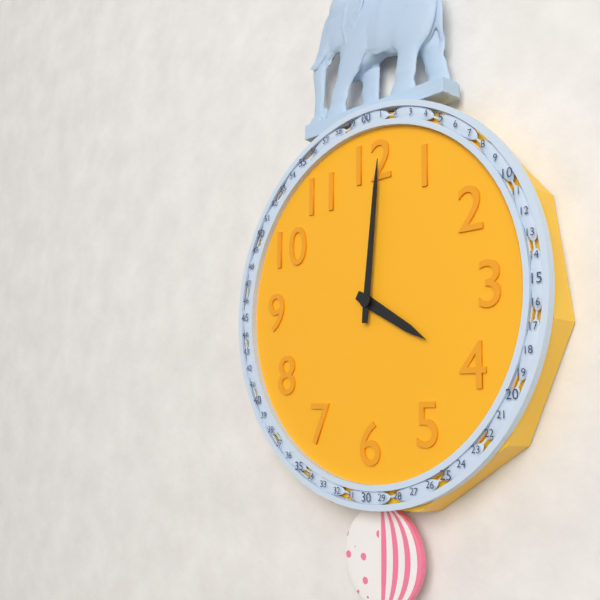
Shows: 4:01
